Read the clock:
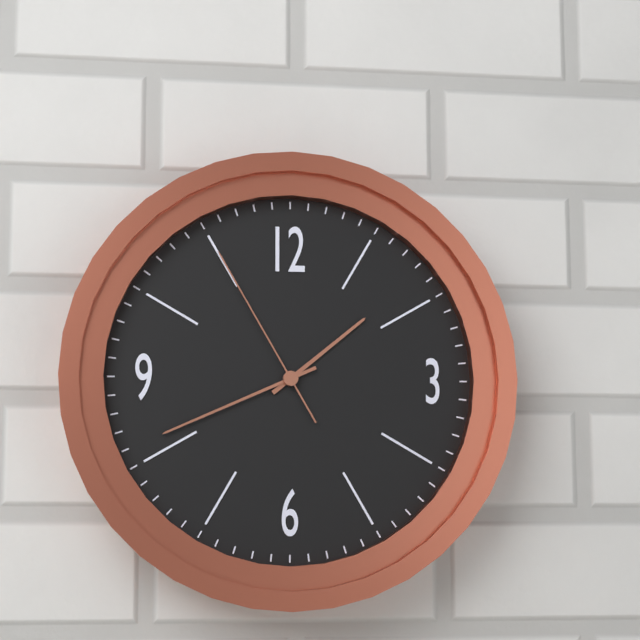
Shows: 1:41:55
